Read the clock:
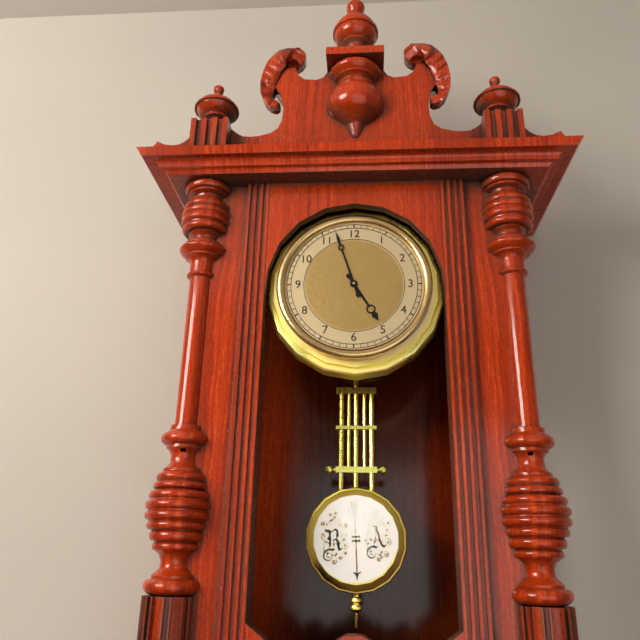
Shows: 4:57
